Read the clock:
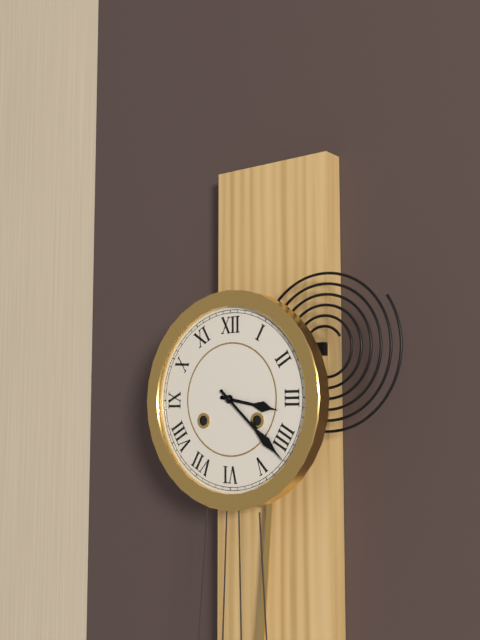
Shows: 3:22
